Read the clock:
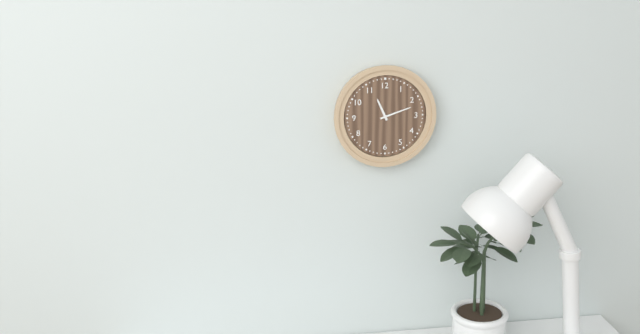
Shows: 11:12
